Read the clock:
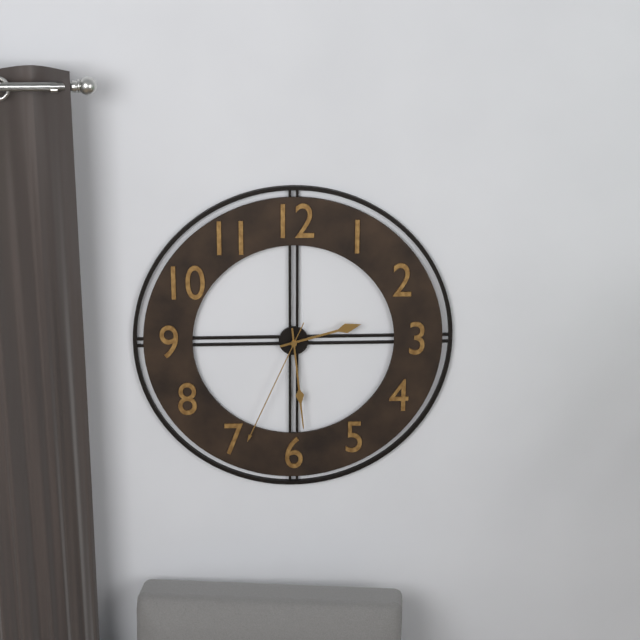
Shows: 2:29:34
